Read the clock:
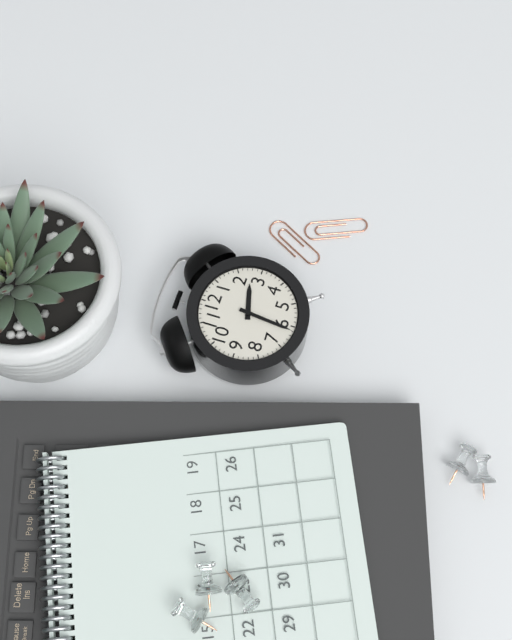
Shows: 2:31
